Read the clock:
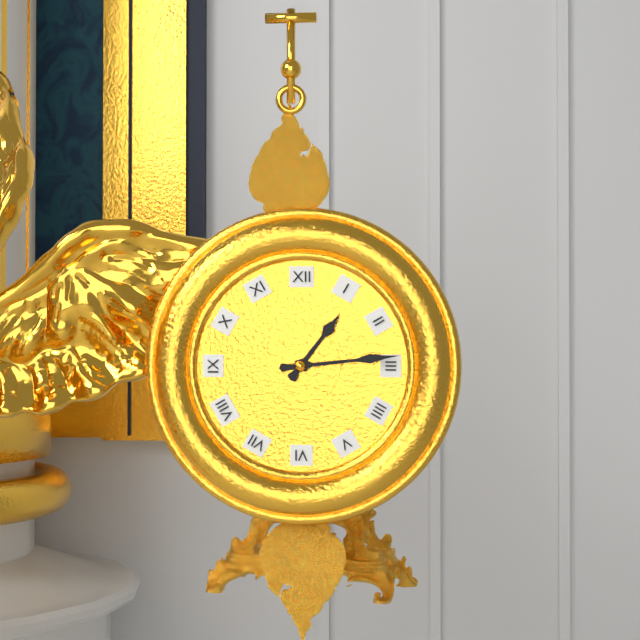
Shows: 1:14
